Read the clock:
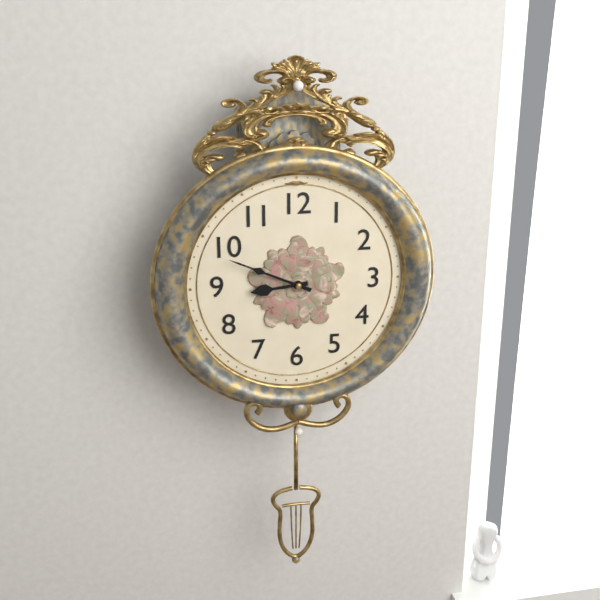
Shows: 8:49
